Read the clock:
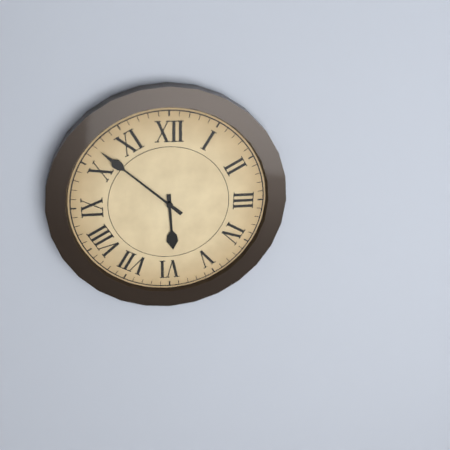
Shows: 5:52
